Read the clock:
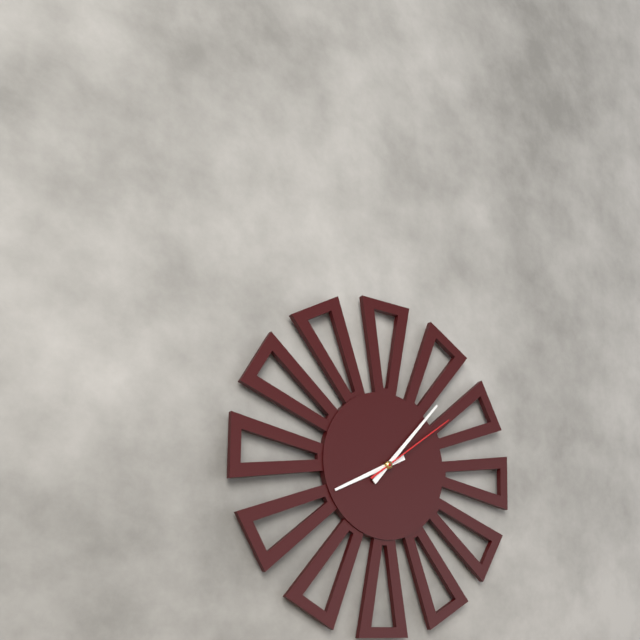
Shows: 8:07:09
